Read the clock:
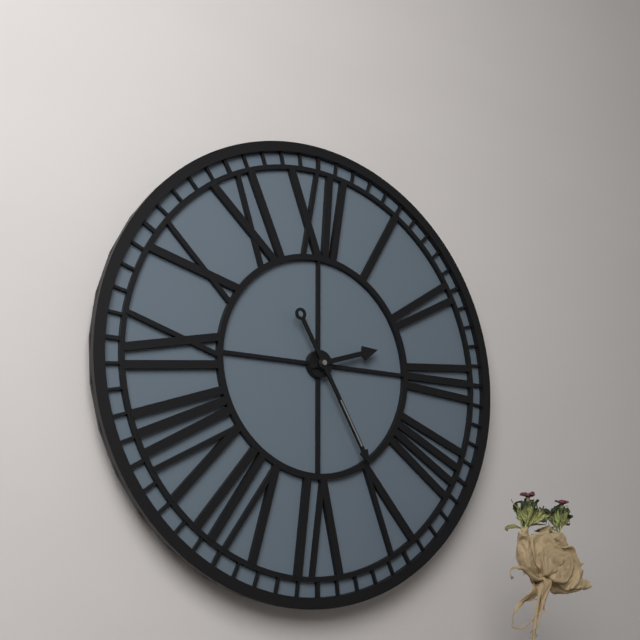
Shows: 2:25
